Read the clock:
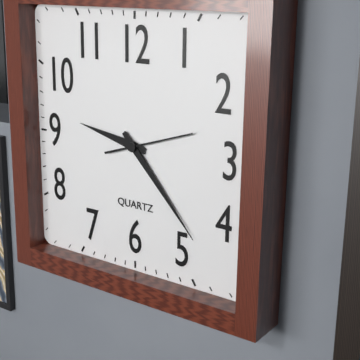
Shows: 9:23:12
